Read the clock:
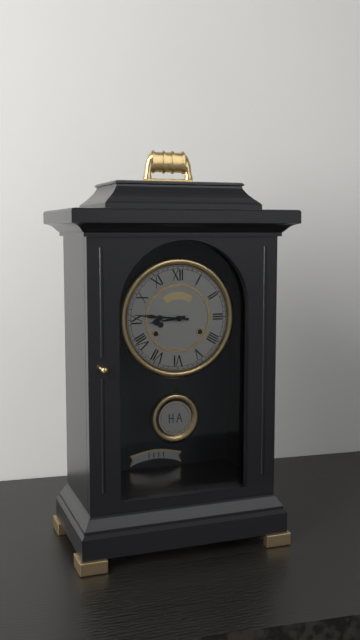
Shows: 8:46
